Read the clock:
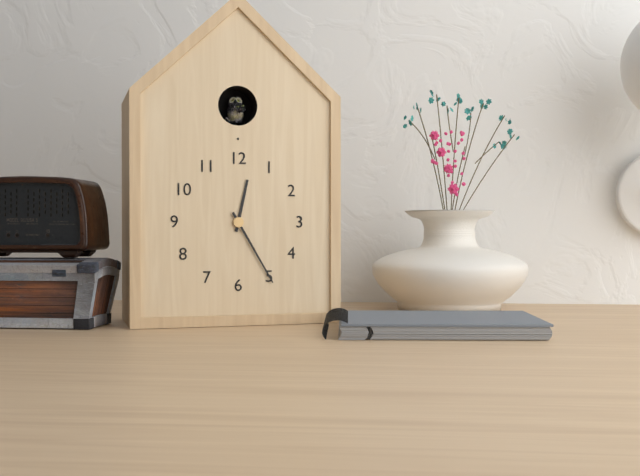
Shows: 12:25
